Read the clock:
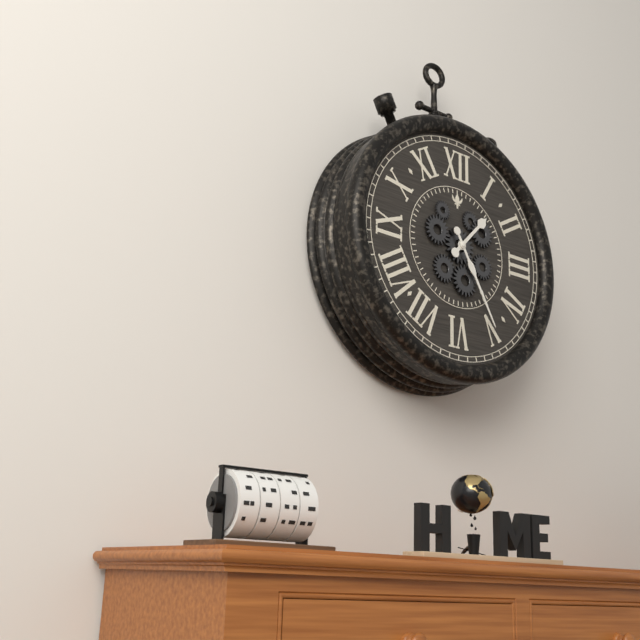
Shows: 1:25
